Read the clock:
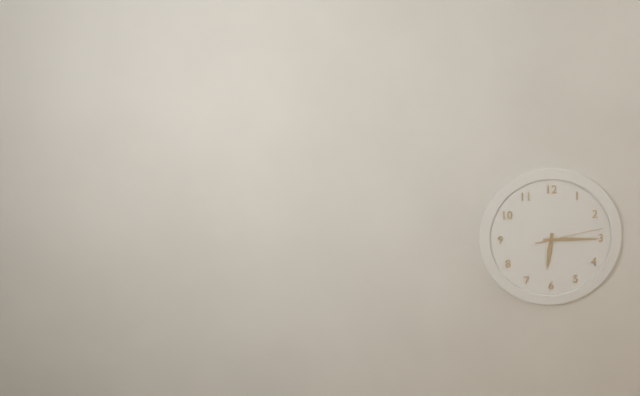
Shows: 6:15:13
